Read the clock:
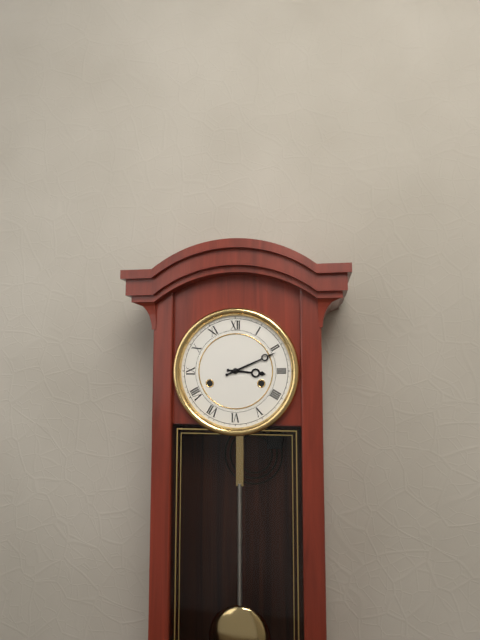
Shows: 3:11
